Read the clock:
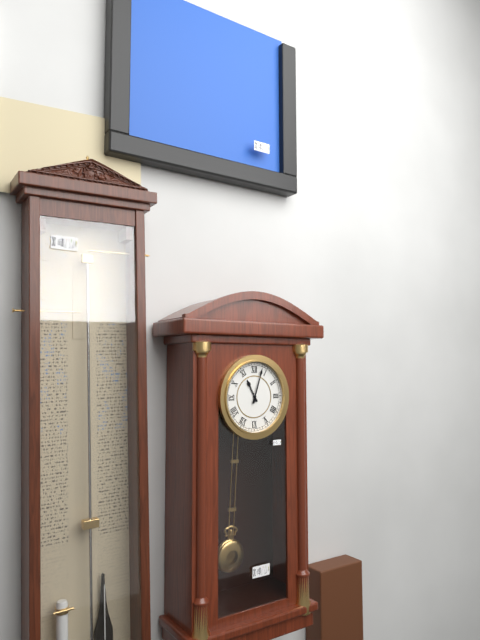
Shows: 11:03
